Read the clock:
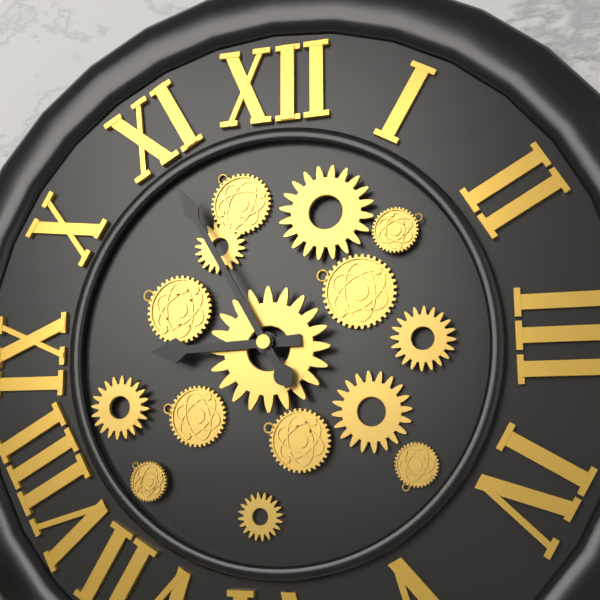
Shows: 8:55
